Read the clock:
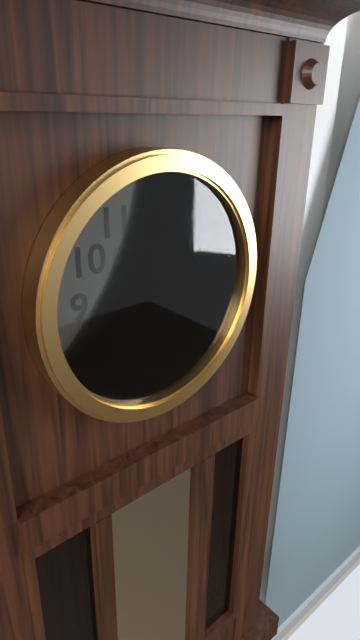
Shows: 6:35
